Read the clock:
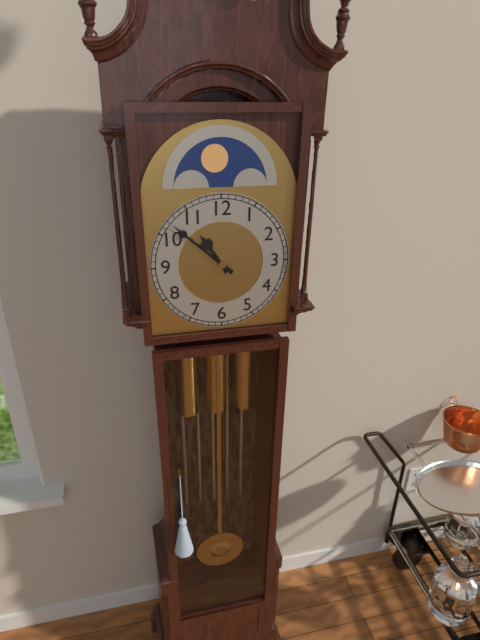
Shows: 10:52
